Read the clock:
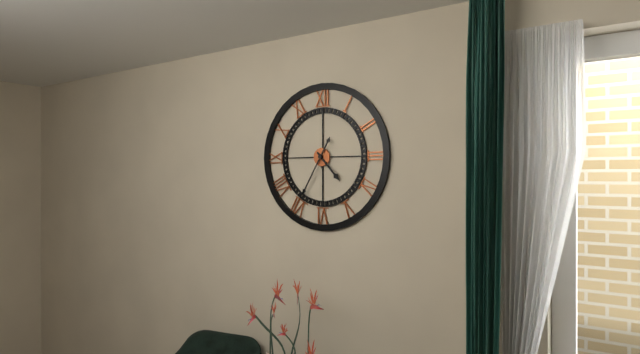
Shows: 4:35
